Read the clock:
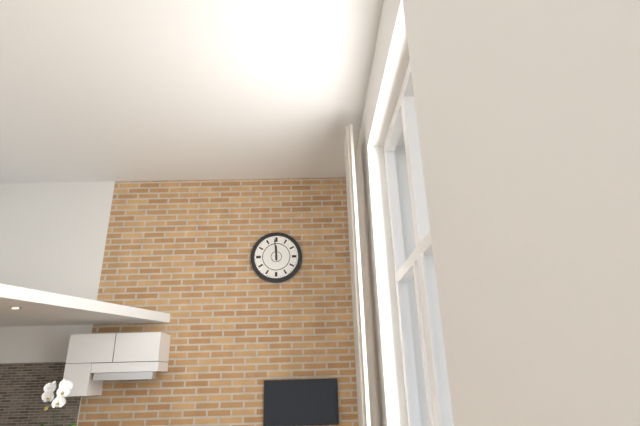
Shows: 11:59
